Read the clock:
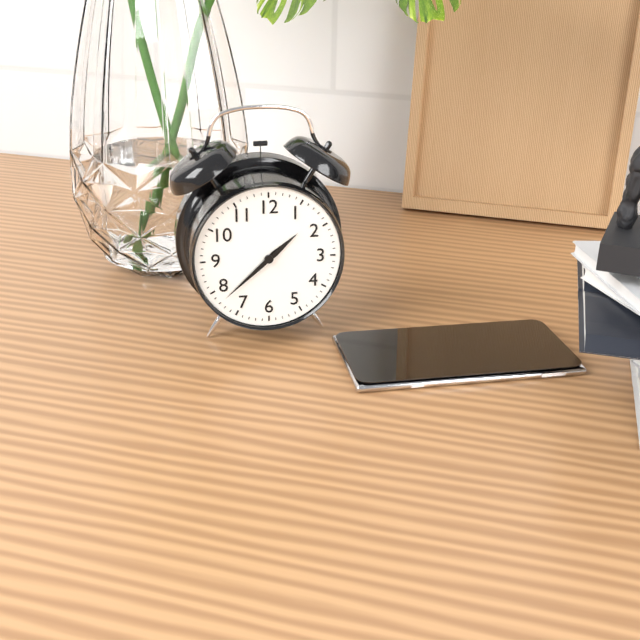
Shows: 1:38
